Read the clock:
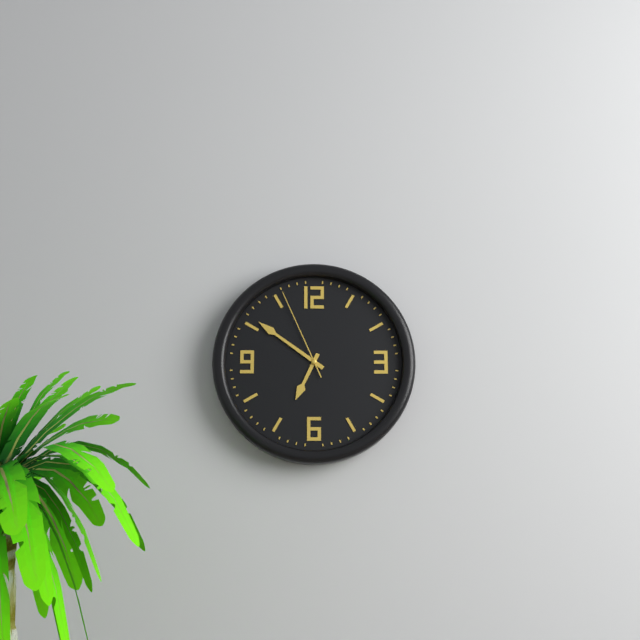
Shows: 6:51:56
